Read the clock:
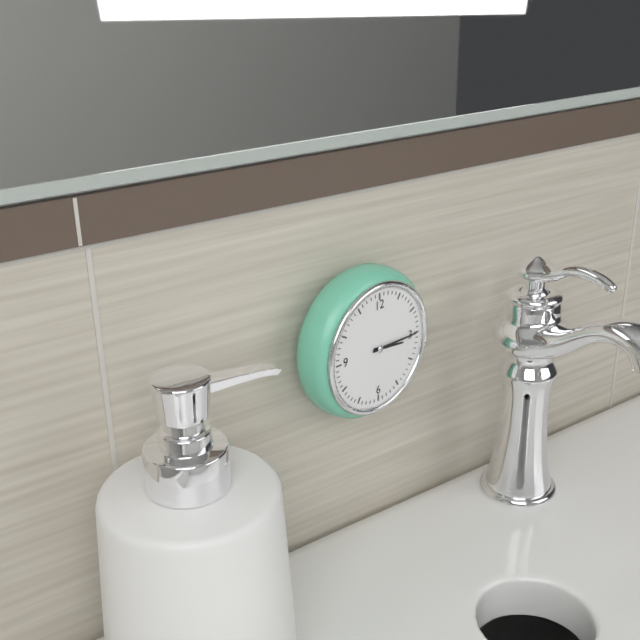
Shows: 3:15
